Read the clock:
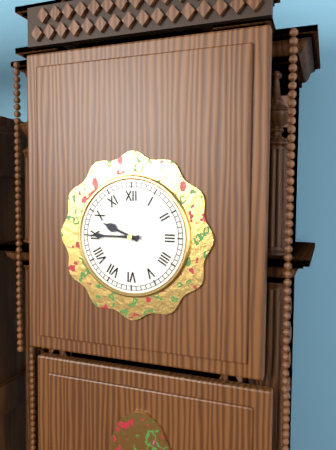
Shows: 9:45
